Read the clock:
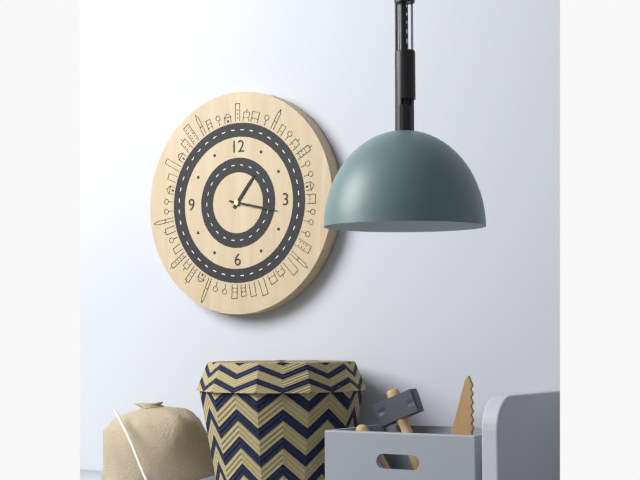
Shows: 1:17
